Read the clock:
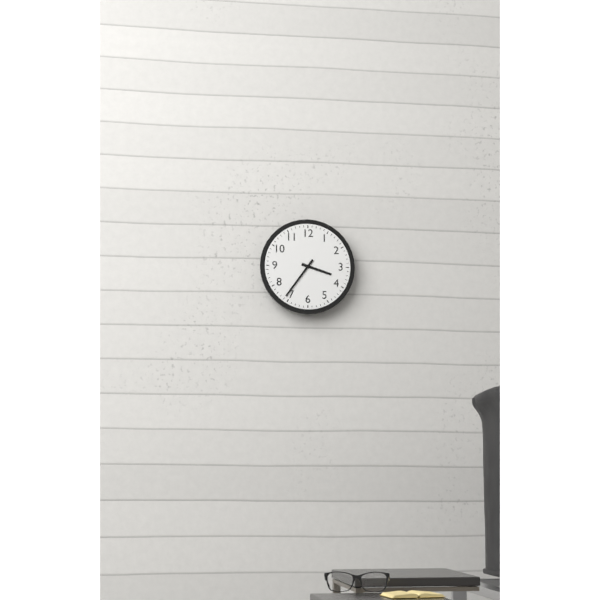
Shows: 3:36
